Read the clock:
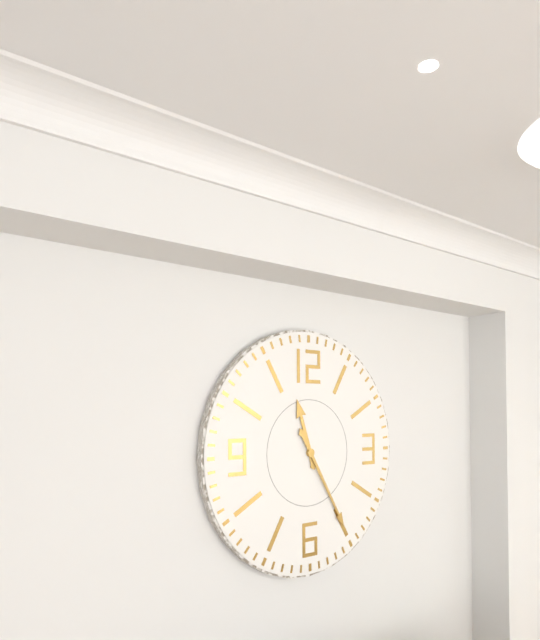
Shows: 11:25
